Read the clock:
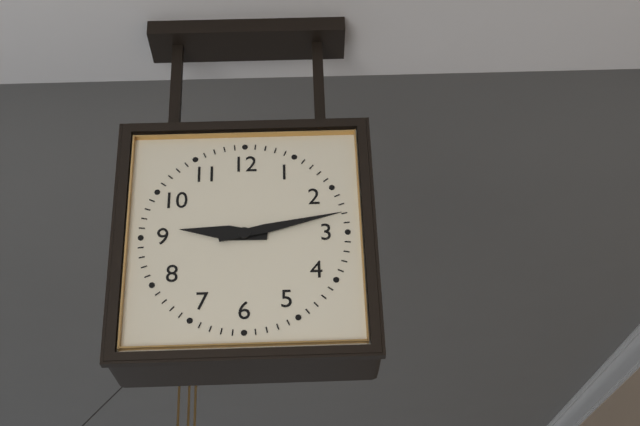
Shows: 9:13
